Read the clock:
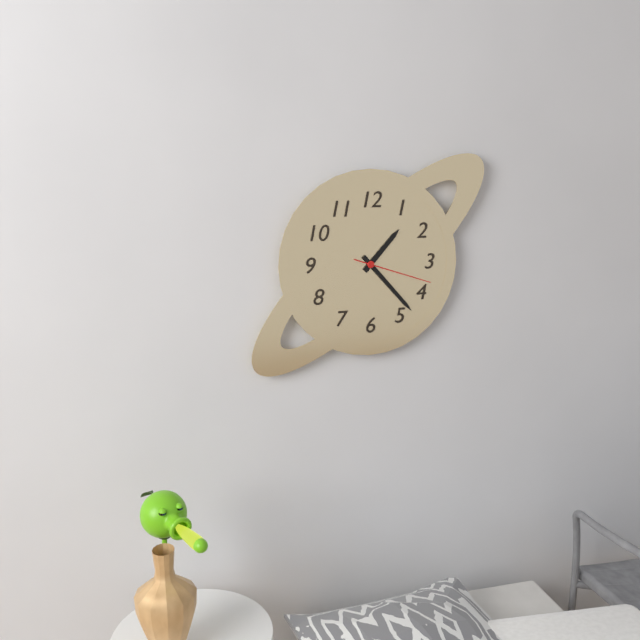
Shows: 1:23:18
